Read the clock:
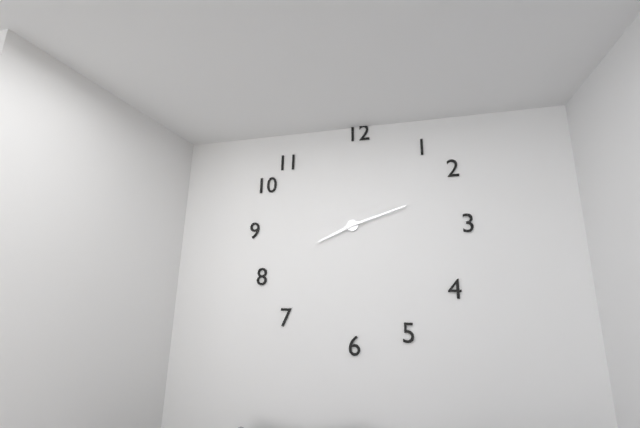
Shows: 8:12
